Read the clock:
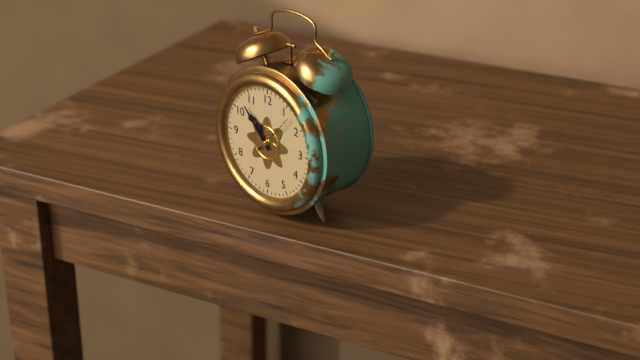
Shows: 10:53
